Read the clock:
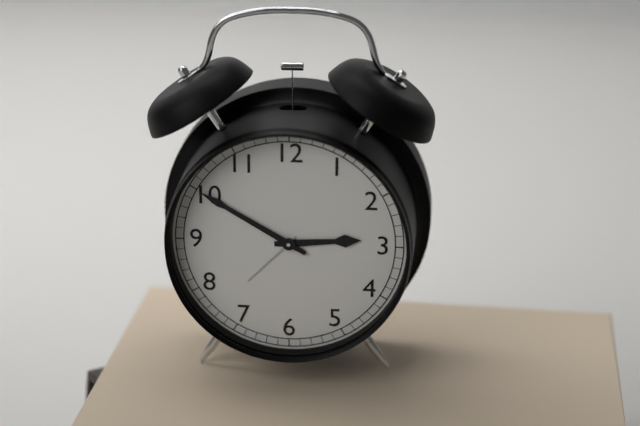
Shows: 2:50
